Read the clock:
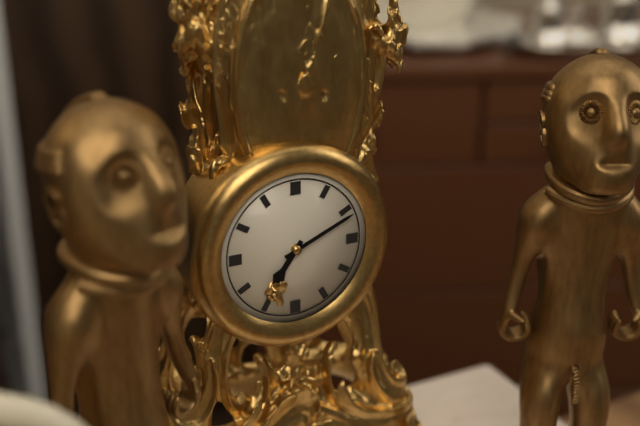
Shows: 7:11
